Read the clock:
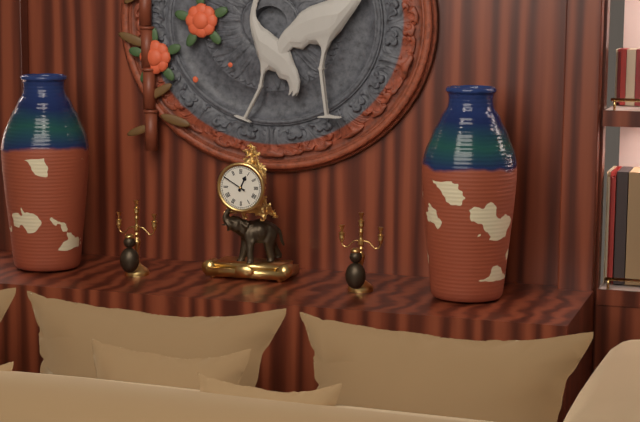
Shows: 12:50
